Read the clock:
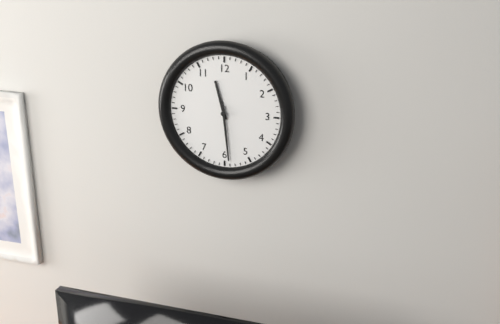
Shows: 11:29
